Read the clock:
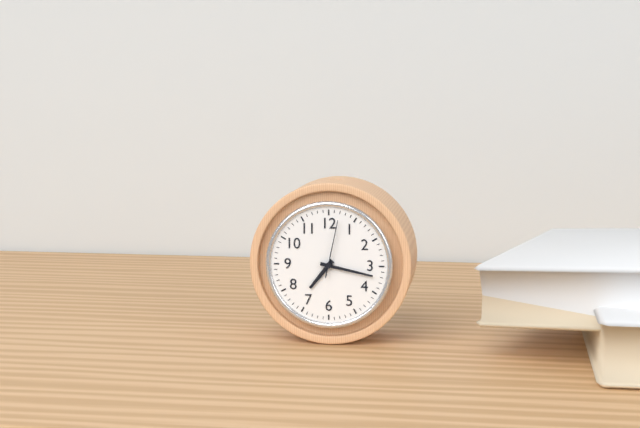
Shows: 7:17:02
